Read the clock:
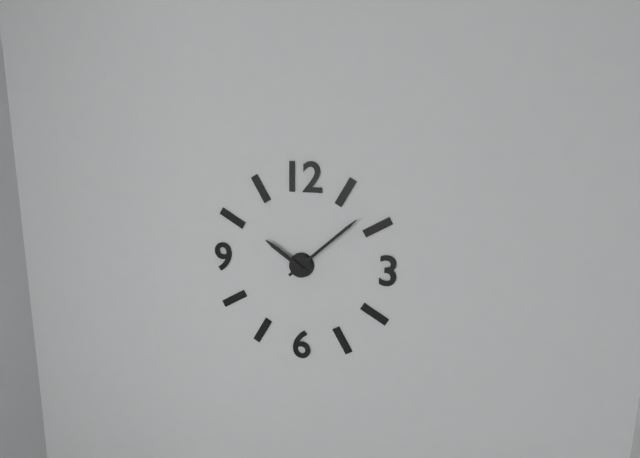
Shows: 10:08
